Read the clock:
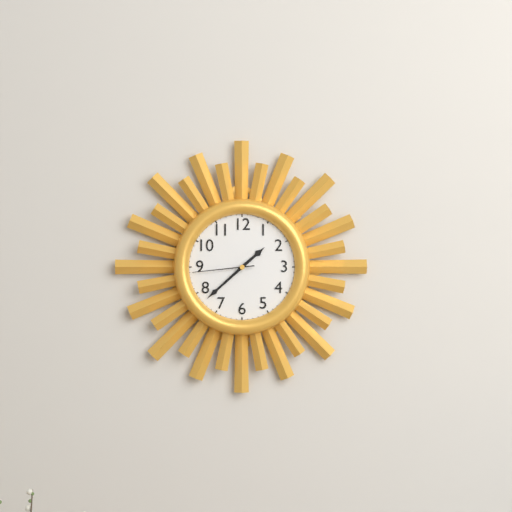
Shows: 1:38:44
